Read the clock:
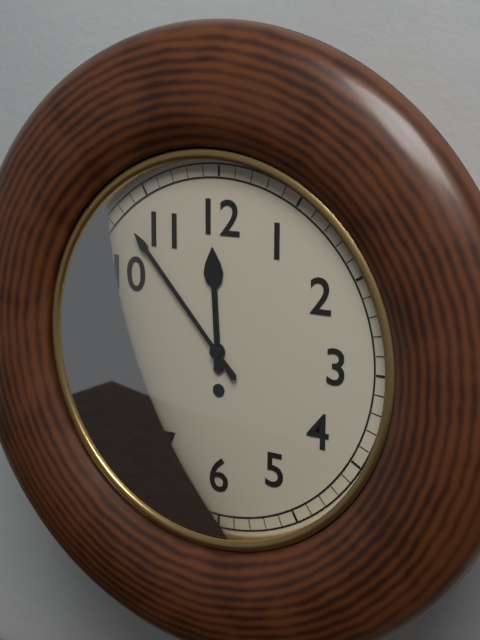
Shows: 11:53
